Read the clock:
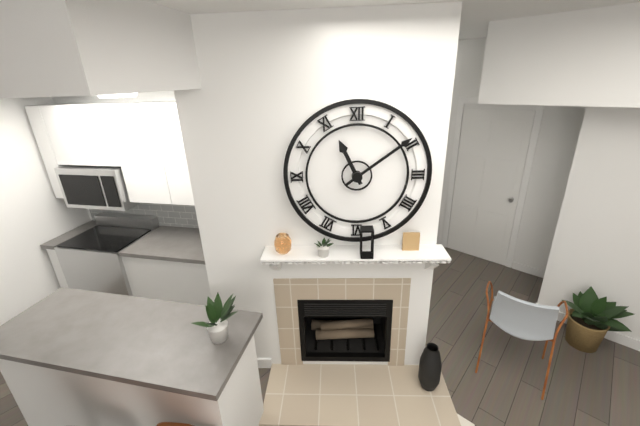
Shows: 11:09
